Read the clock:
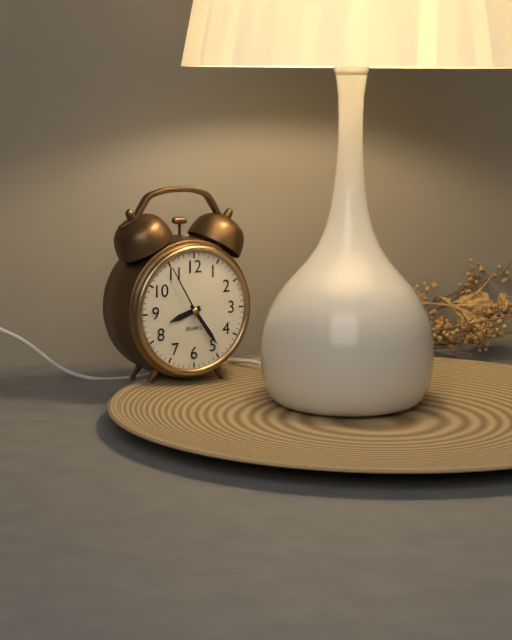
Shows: 8:24:55
